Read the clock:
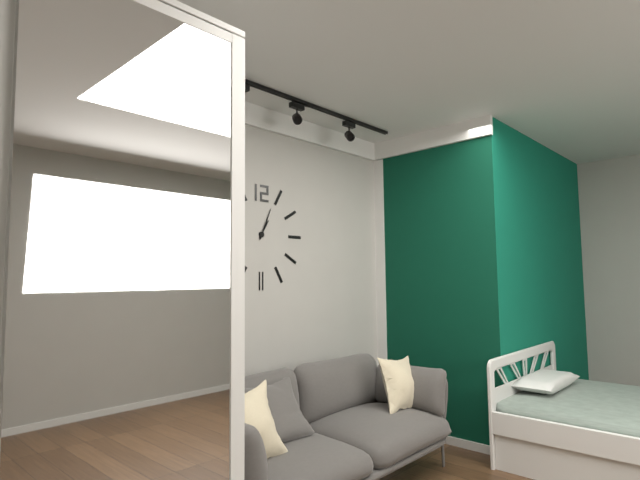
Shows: 1:04
